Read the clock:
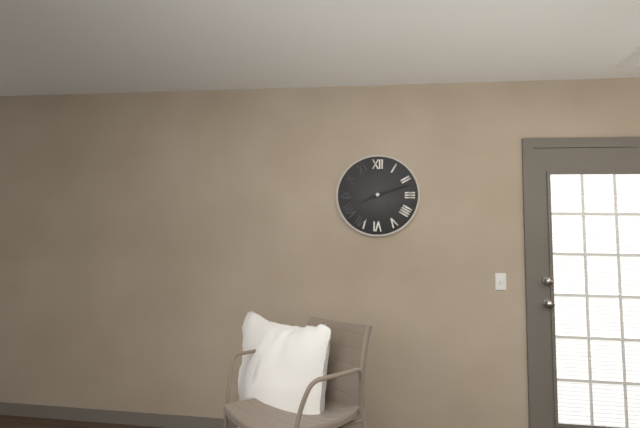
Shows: 8:12
